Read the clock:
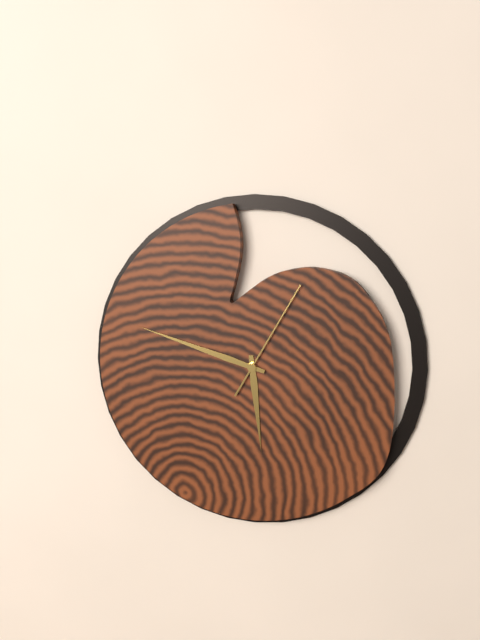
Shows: 5:48:05
